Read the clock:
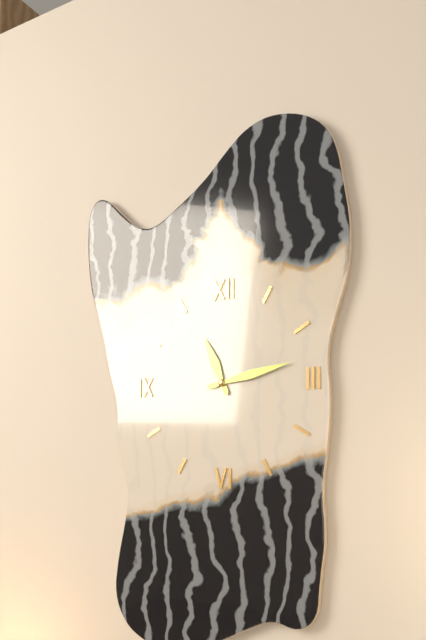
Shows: 11:13
